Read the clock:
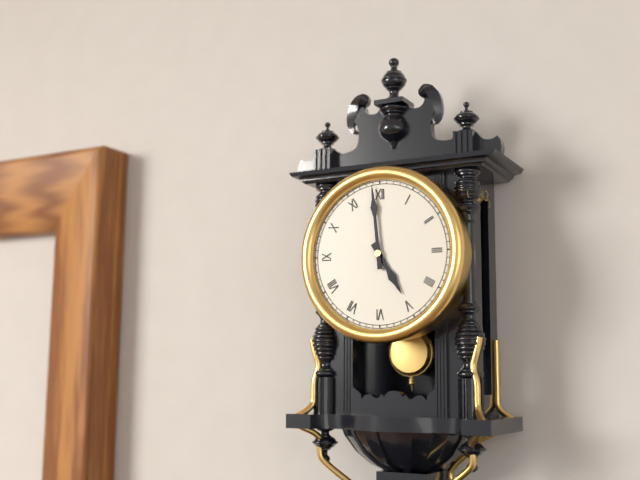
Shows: 4:59
